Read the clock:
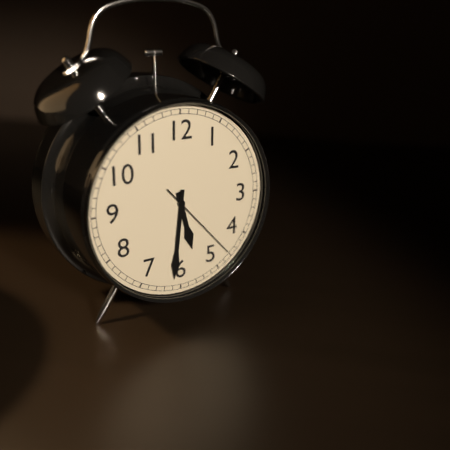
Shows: 5:31:23
